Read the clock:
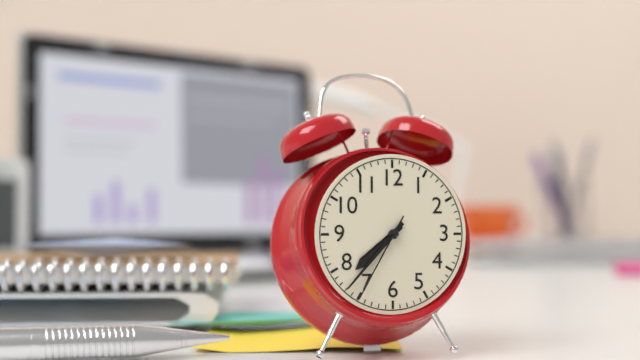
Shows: 7:37:35
